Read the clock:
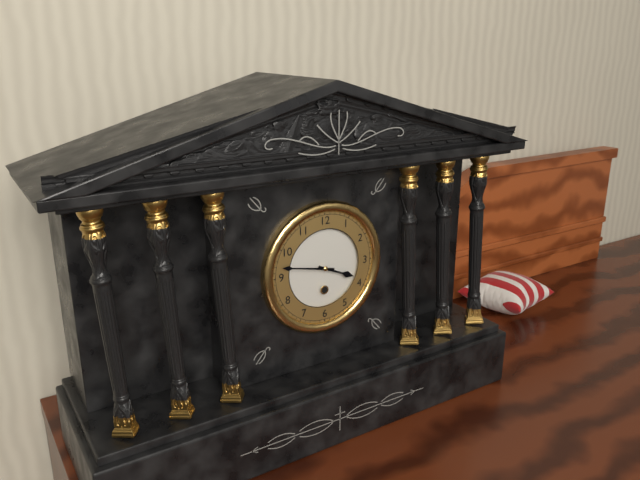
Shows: 3:47
